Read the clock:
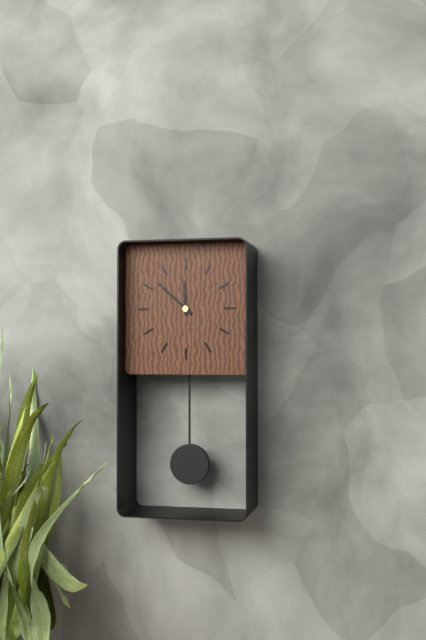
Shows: 11:52
